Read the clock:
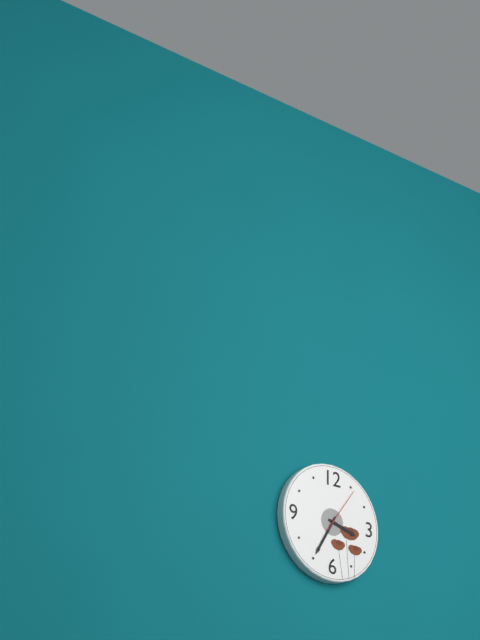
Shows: 3:35
